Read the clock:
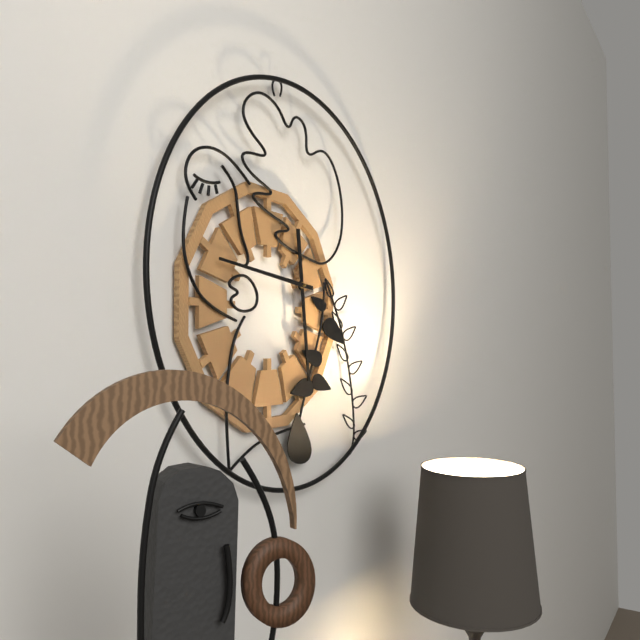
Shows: 5:46
